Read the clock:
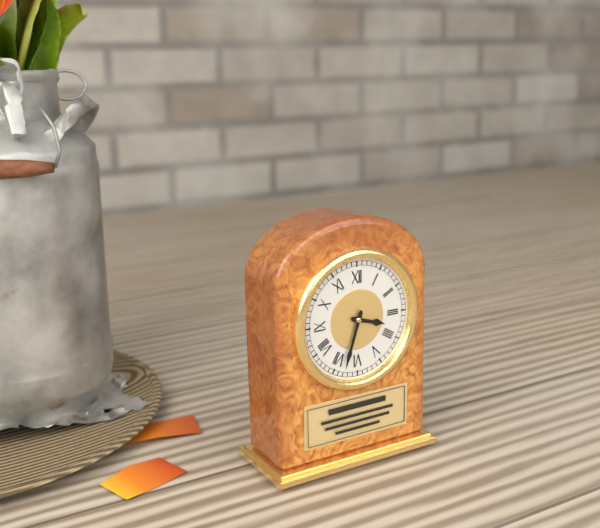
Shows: 3:33
